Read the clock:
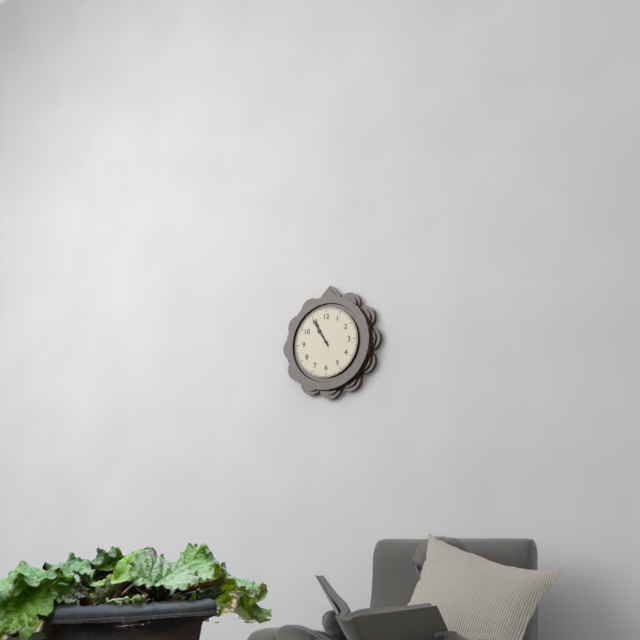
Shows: 10:55
